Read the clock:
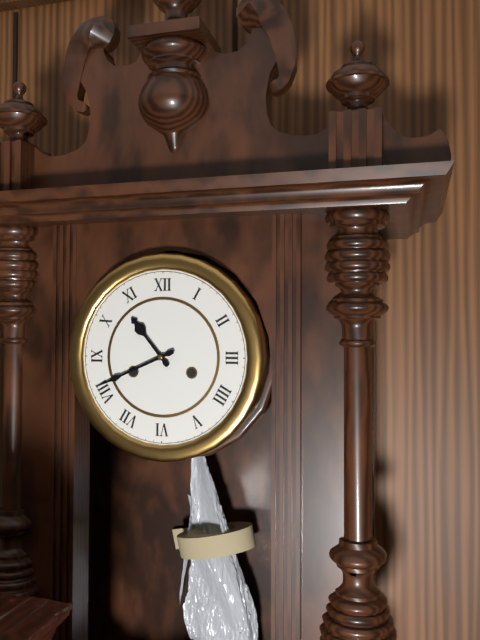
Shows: 10:41
